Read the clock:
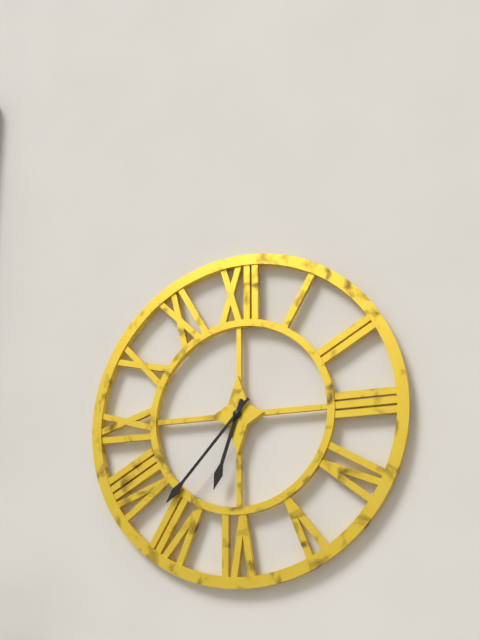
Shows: 6:37
